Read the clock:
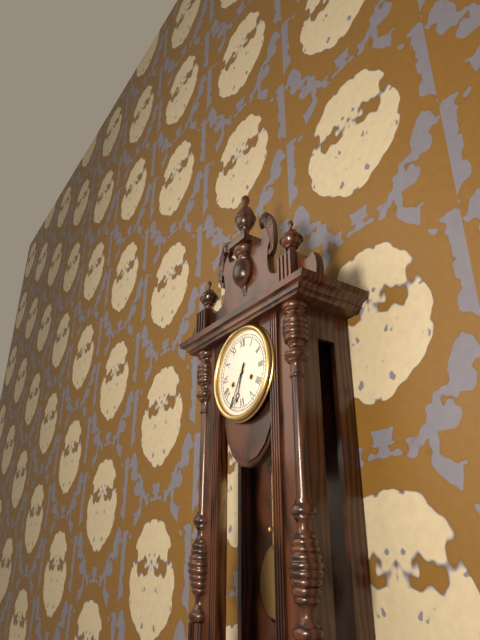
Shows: 6:35
